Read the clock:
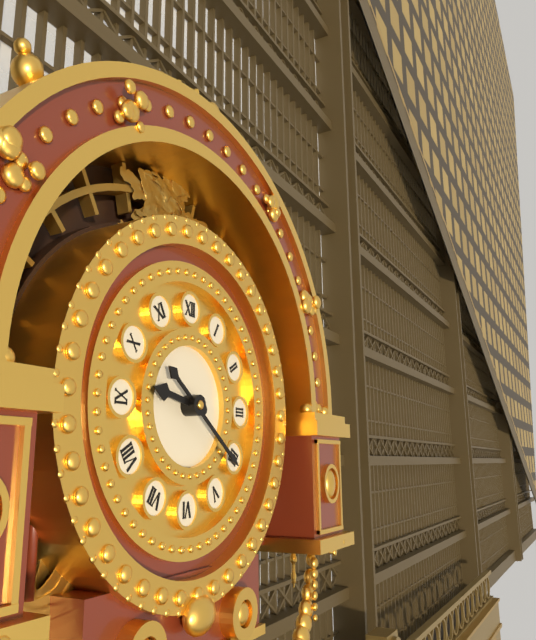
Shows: 9:21
